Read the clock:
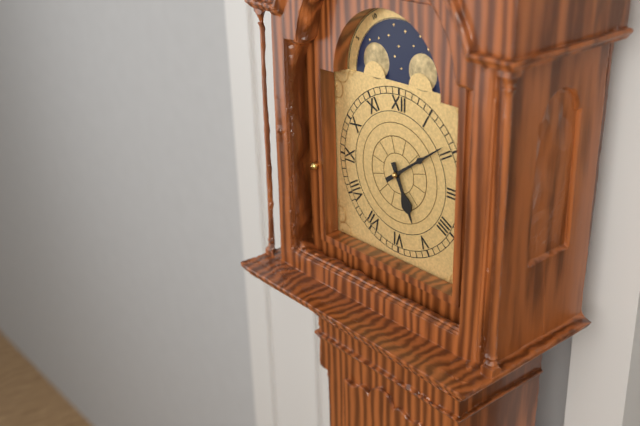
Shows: 5:09
